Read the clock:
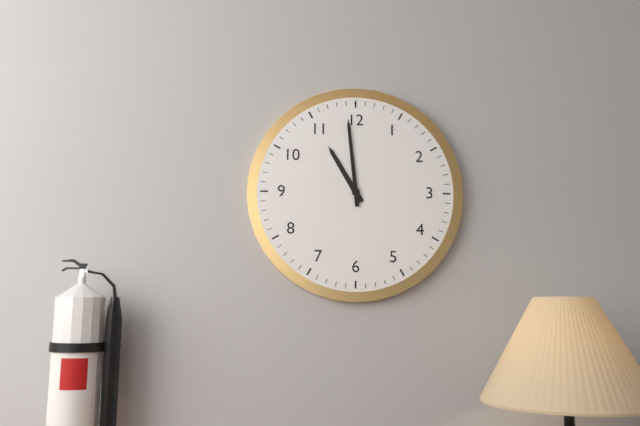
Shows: 10:59
